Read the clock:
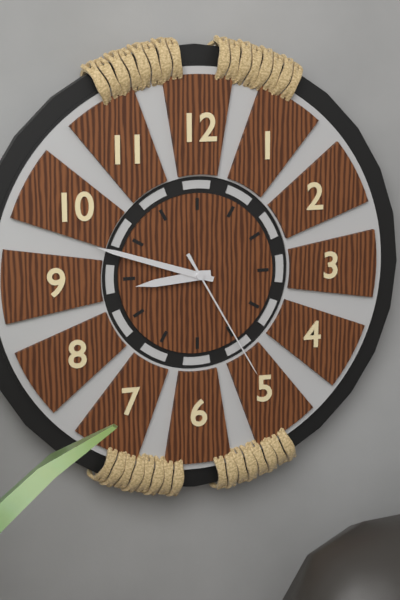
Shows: 8:48:25
